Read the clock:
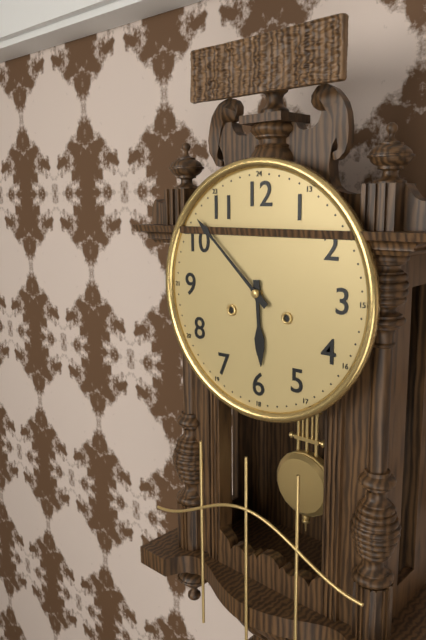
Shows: 5:52
